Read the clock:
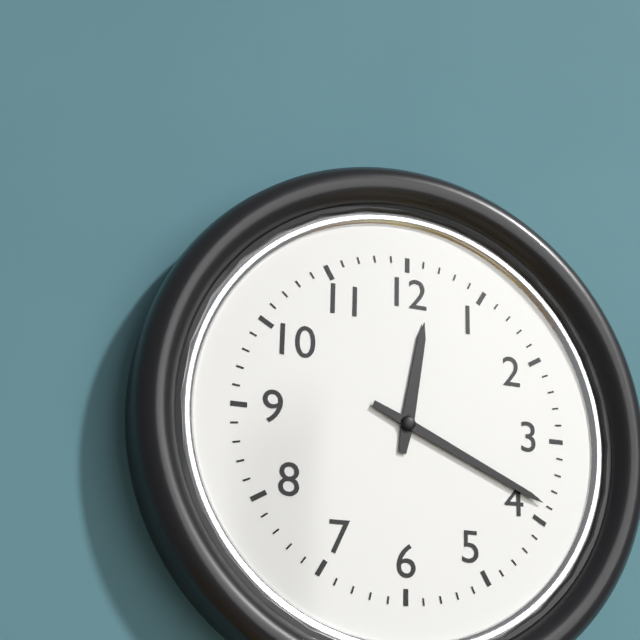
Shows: 12:19
